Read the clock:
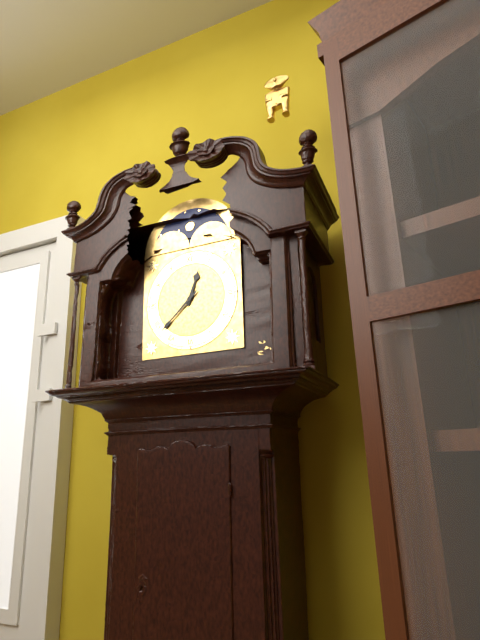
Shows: 12:38
